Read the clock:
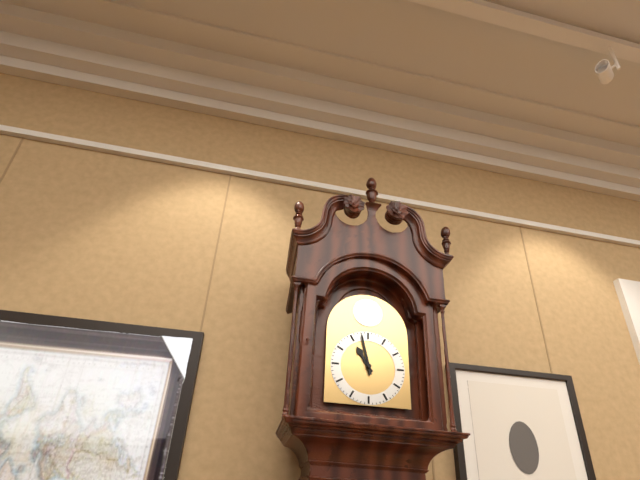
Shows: 10:58
